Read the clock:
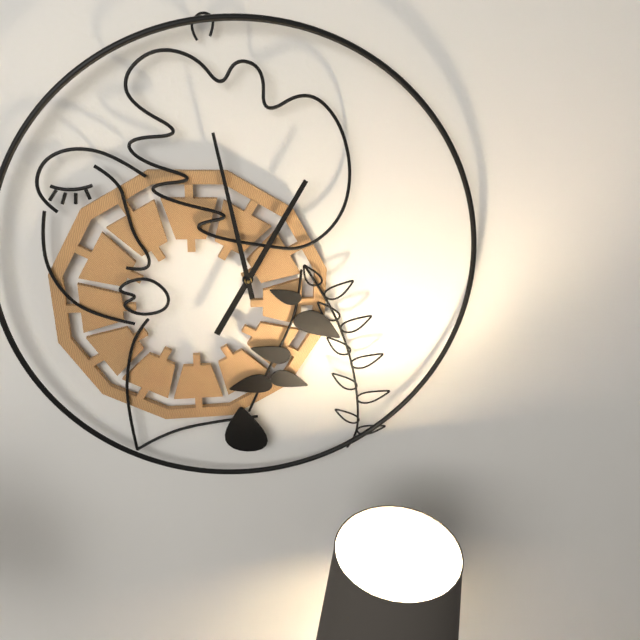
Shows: 12:58
